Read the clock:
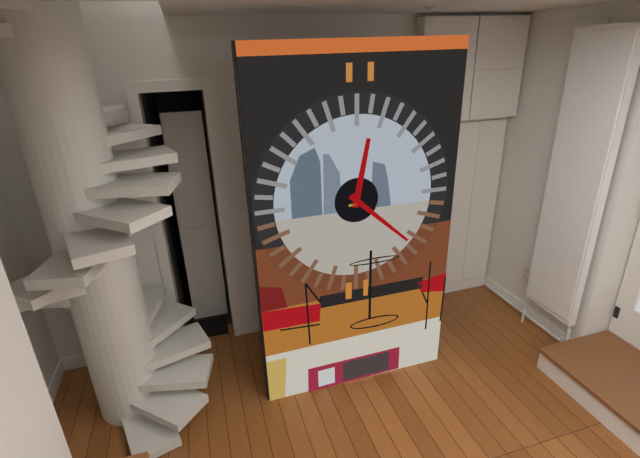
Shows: 12:22
